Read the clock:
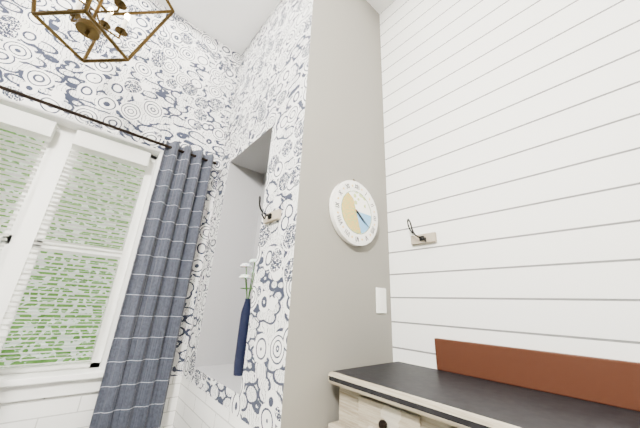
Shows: 4:21
